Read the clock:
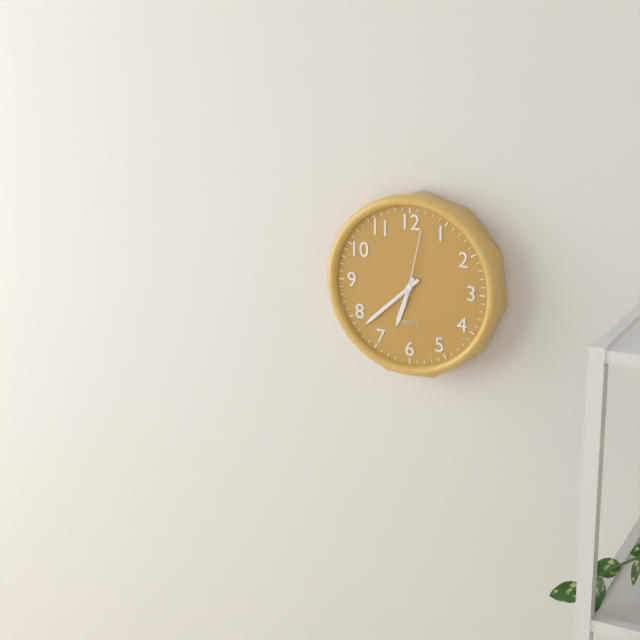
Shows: 6:38:02
